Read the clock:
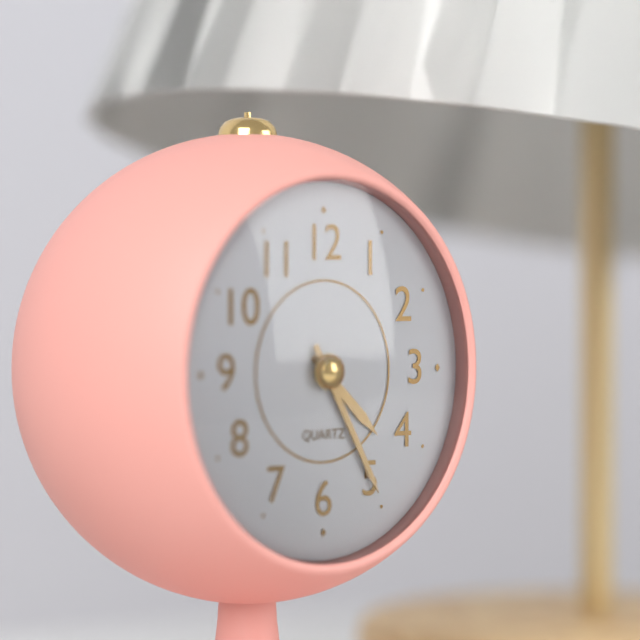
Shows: 4:25
